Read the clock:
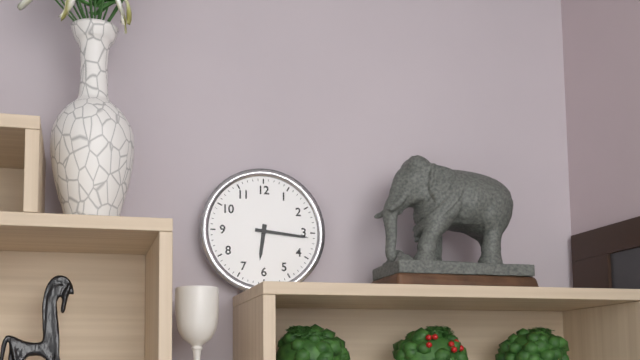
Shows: 6:16
